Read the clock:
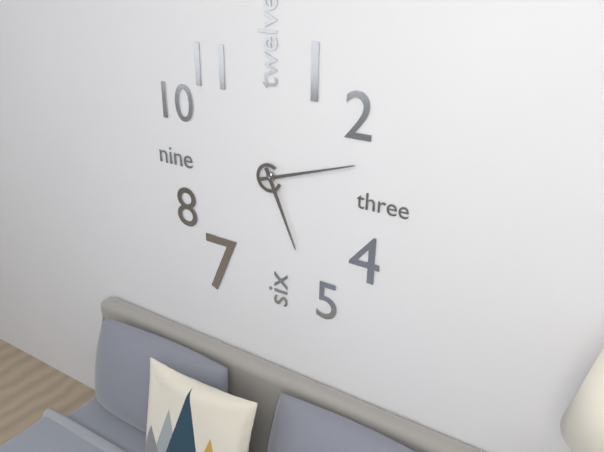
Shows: 5:12
